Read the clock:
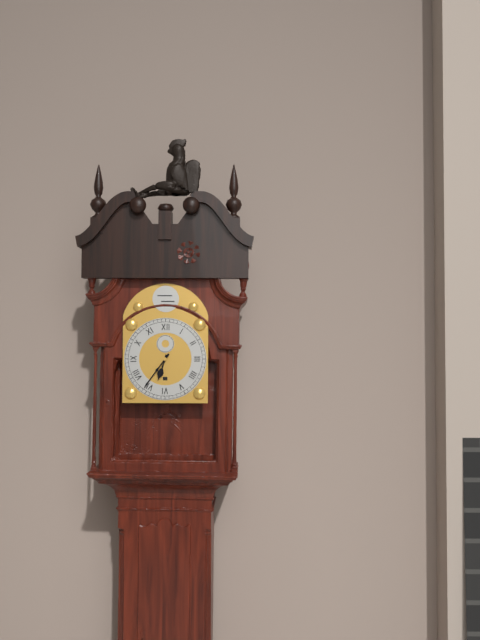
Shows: 6:36
